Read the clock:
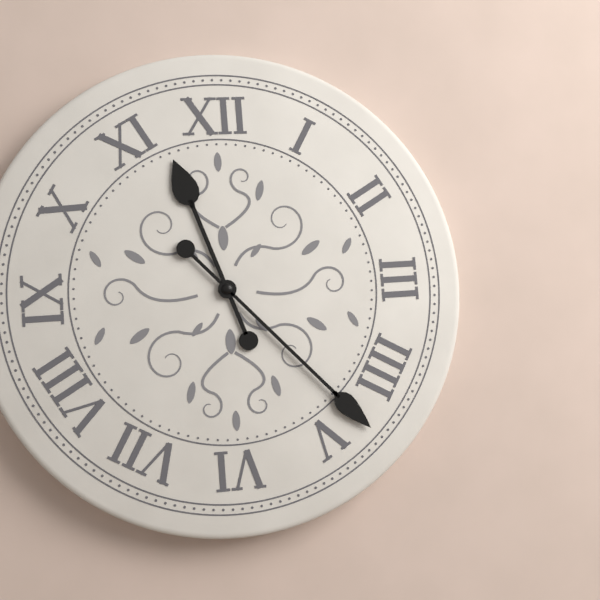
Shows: 11:23
